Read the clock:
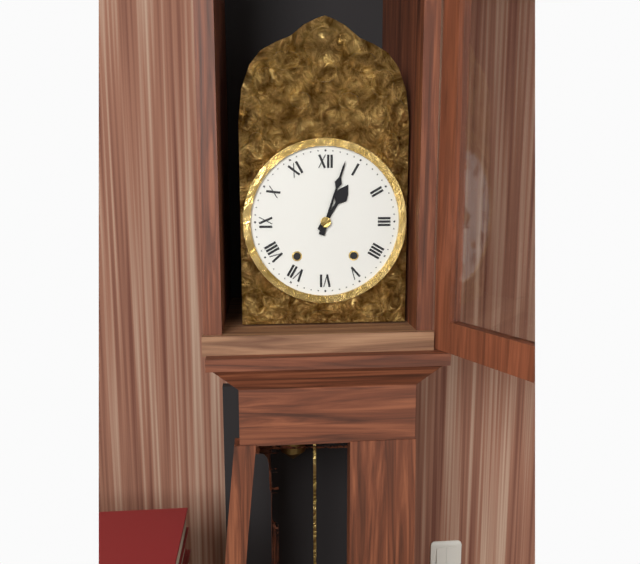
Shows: 1:03
